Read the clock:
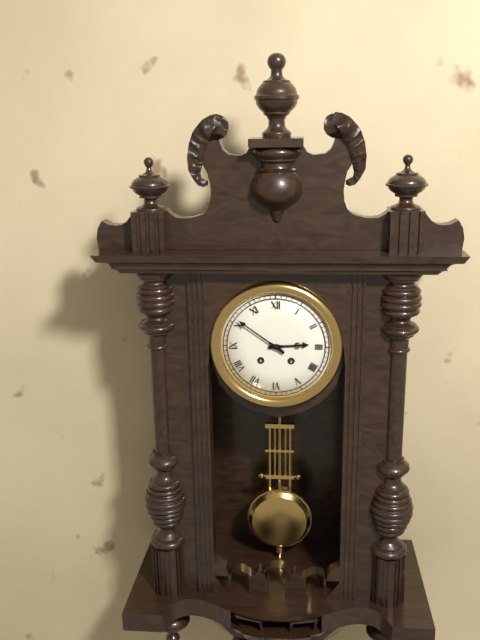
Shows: 2:51
